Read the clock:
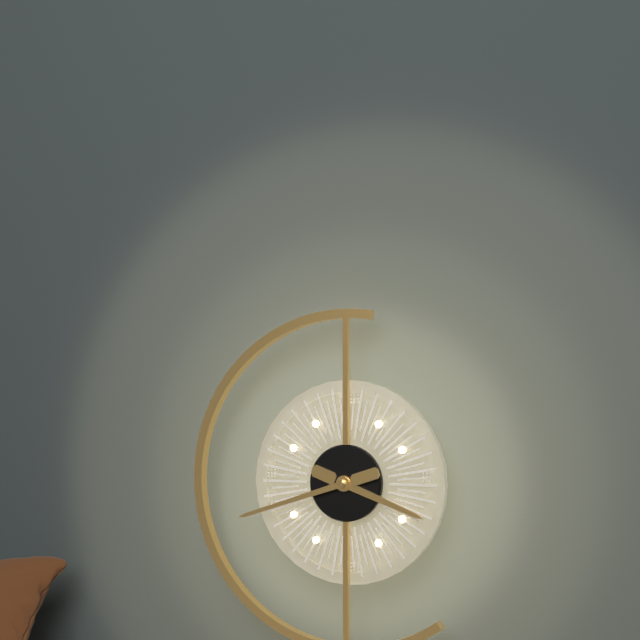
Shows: 3:42
